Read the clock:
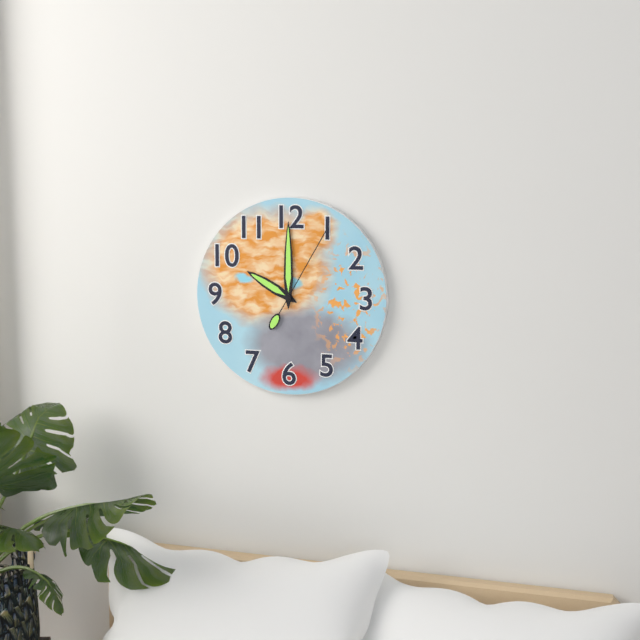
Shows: 10:00:05
